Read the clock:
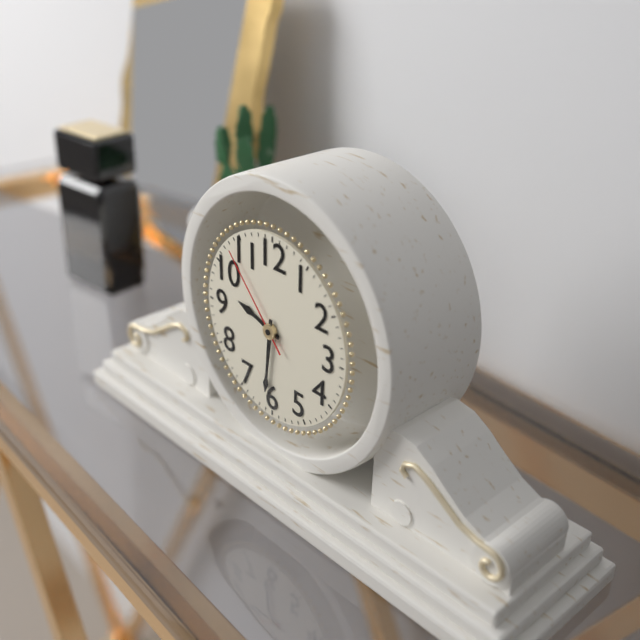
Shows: 9:31:53
